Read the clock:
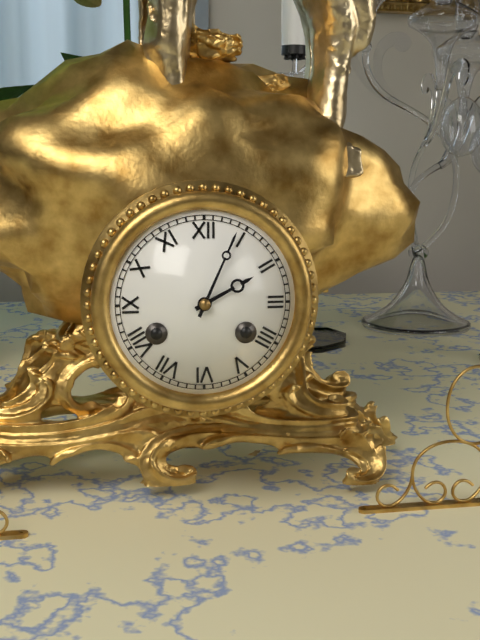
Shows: 2:04
